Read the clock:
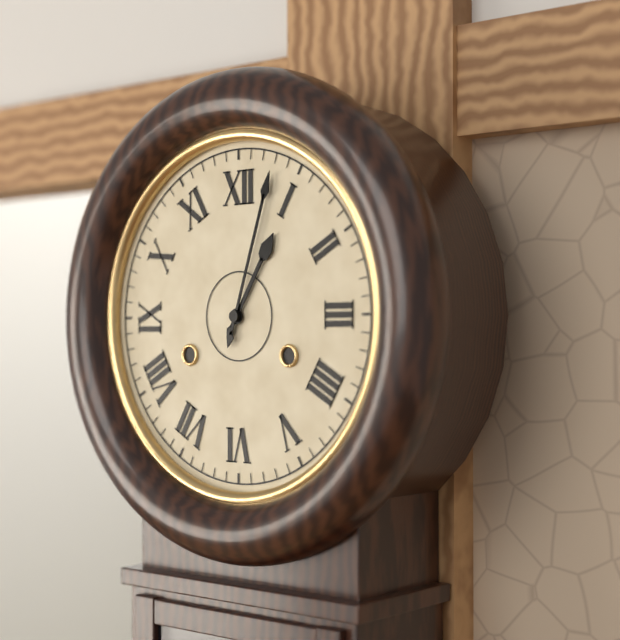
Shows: 1:03
